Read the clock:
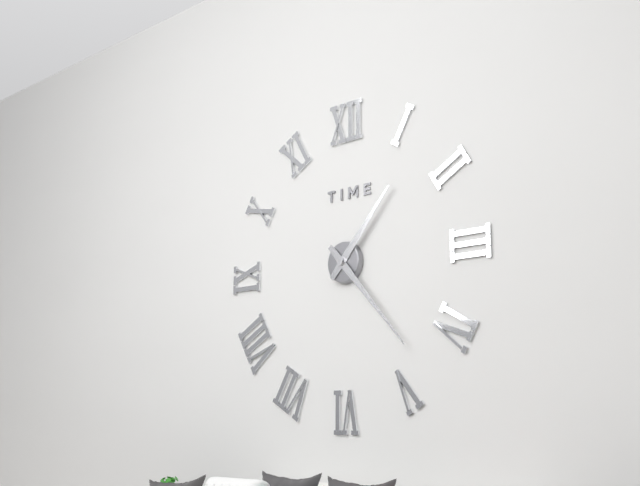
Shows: 1:23
